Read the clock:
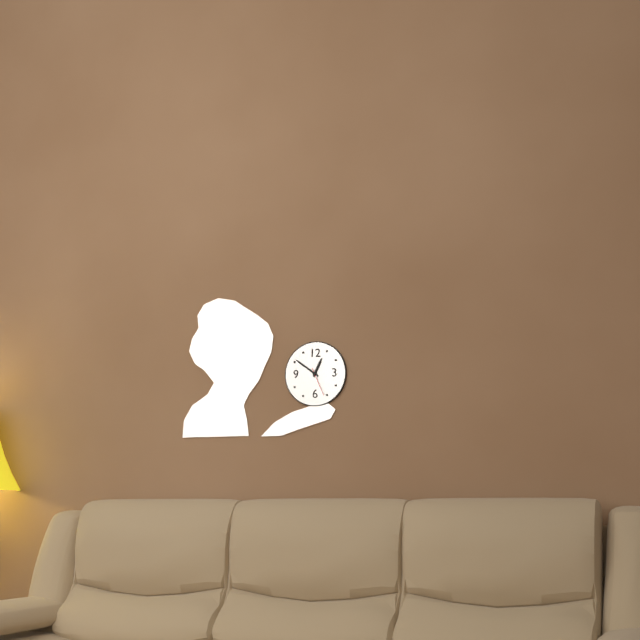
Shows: 12:51
